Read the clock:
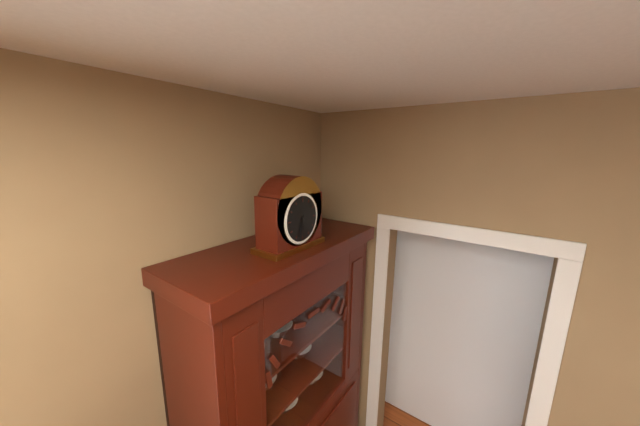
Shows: 5:33
